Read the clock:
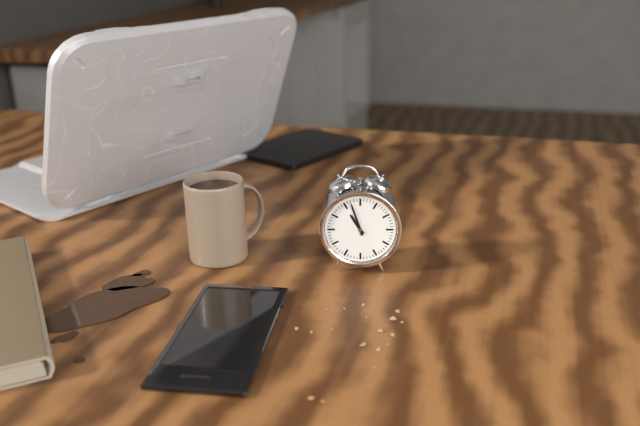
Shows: 10:57
